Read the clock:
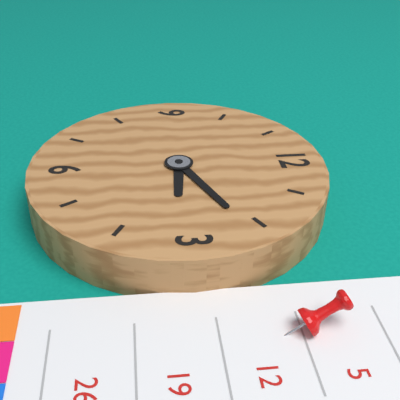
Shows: 3:11
